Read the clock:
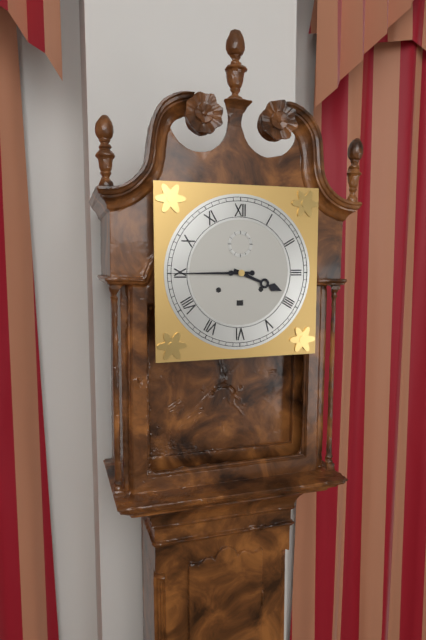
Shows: 3:45
